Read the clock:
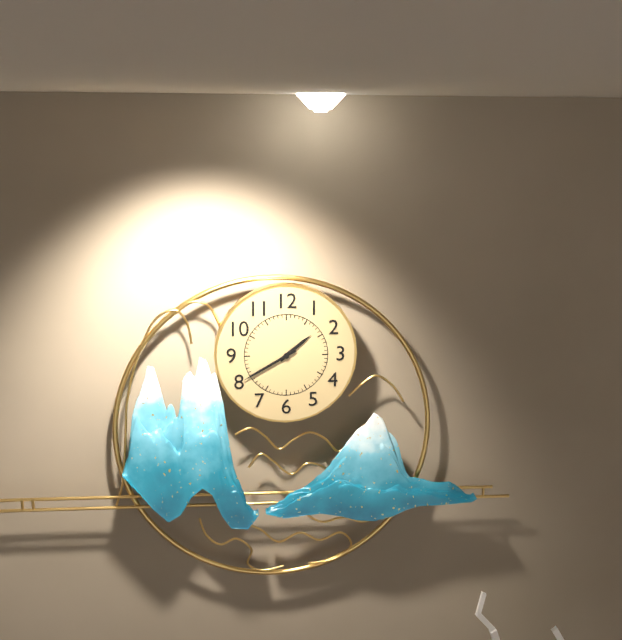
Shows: 1:40
